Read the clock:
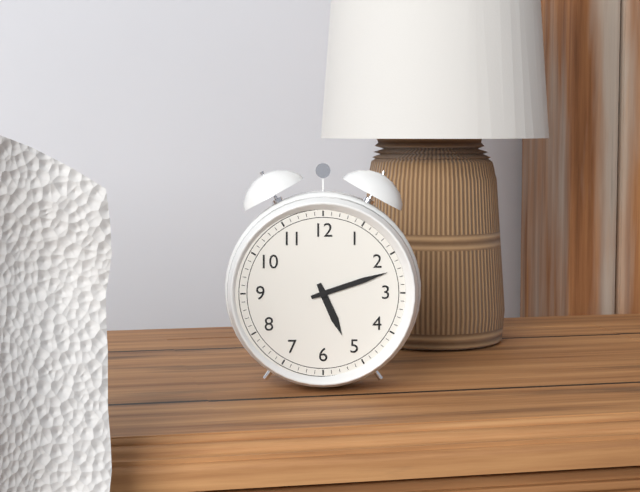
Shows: 5:12
